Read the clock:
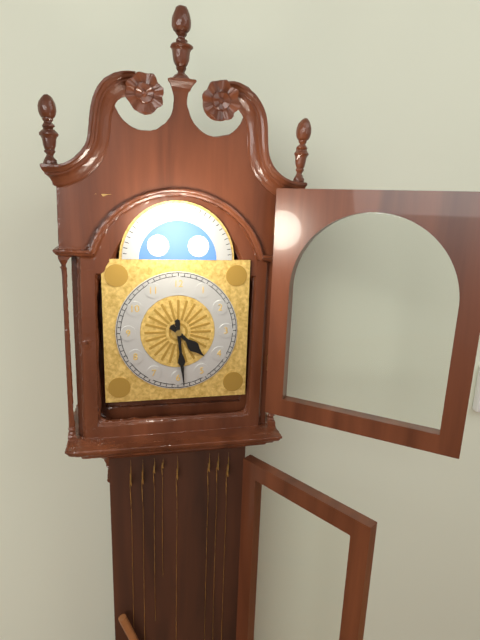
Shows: 4:29
